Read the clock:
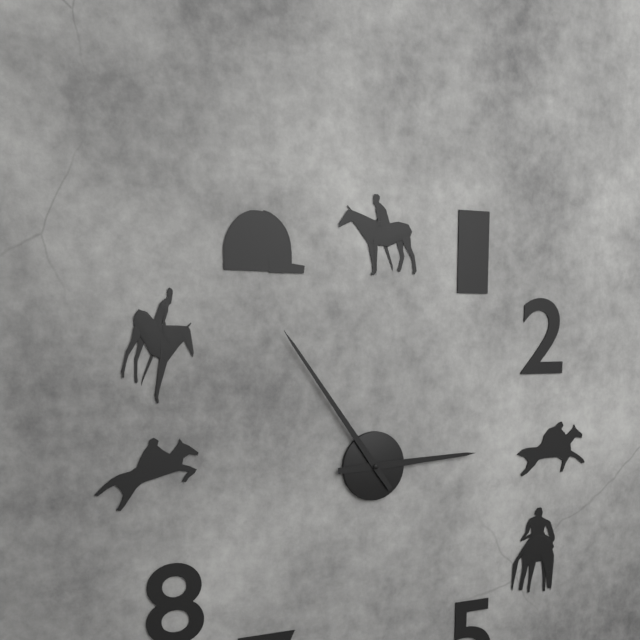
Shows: 2:54
